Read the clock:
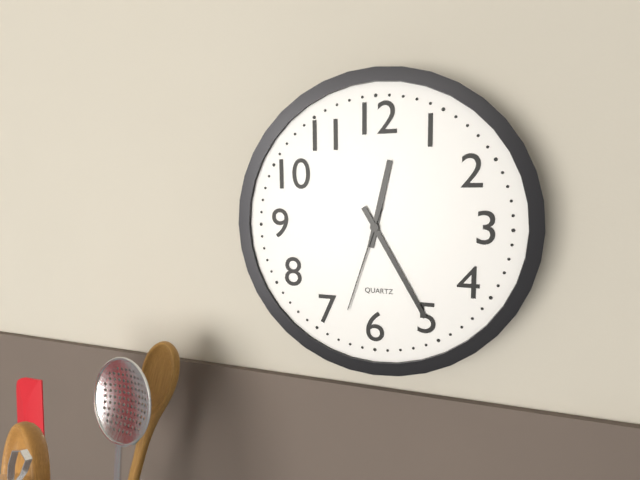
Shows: 12:25:33
